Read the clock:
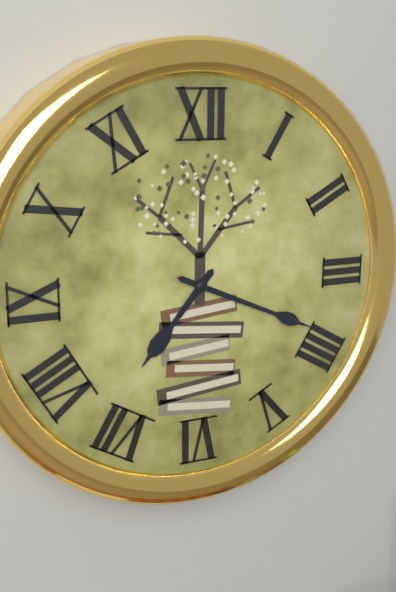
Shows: 7:19
